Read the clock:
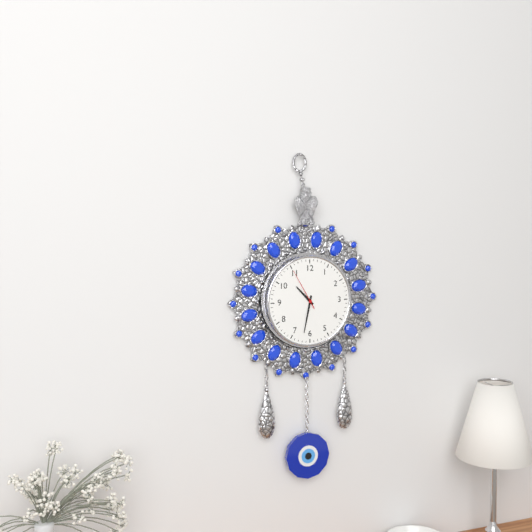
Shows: 10:32
